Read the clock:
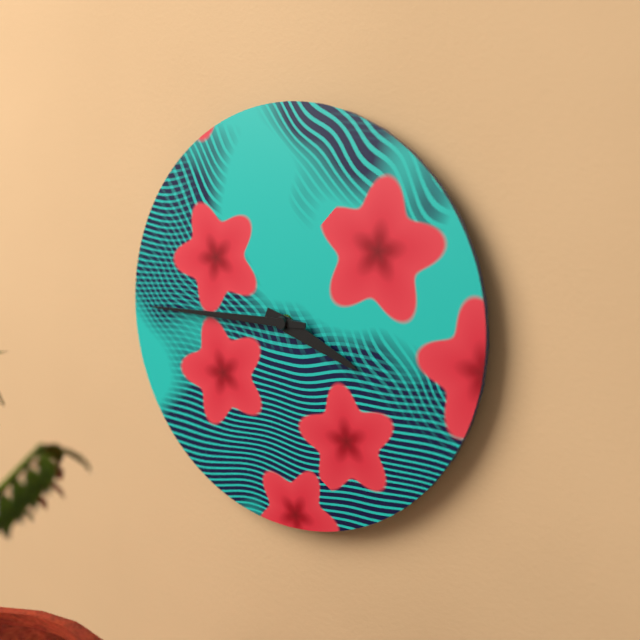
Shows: 3:45
